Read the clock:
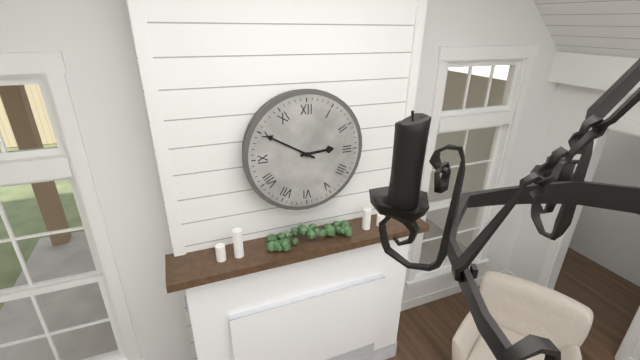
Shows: 2:50
